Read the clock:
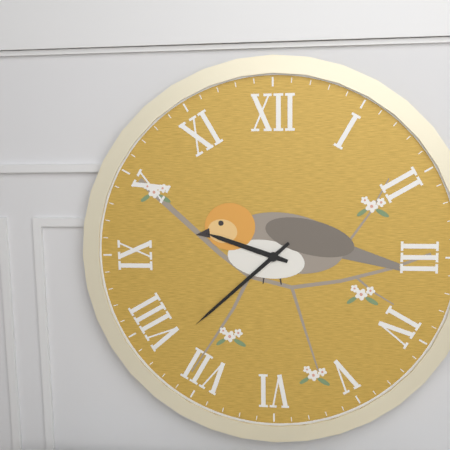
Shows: 9:38
